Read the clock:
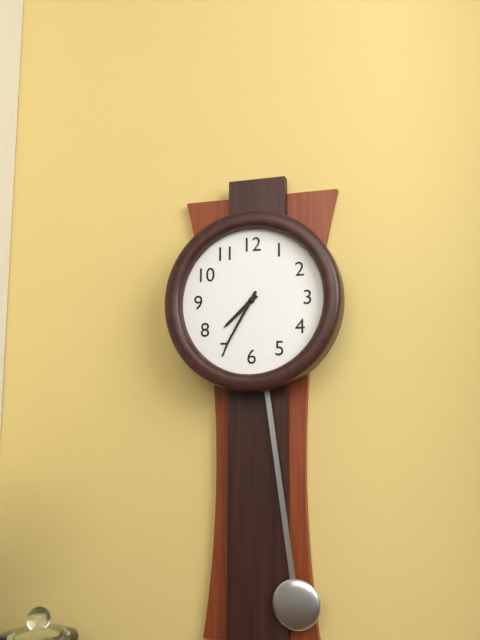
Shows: 7:35
